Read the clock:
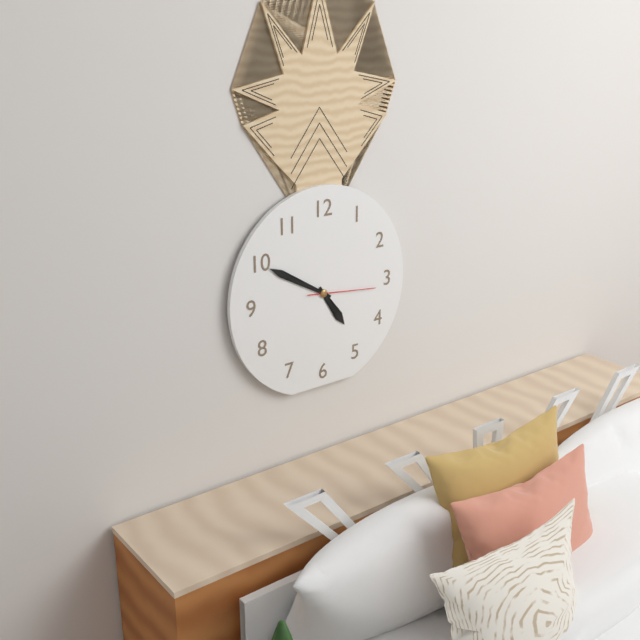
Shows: 4:50:16
